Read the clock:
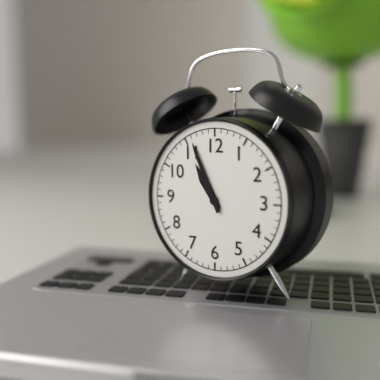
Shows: 10:56
